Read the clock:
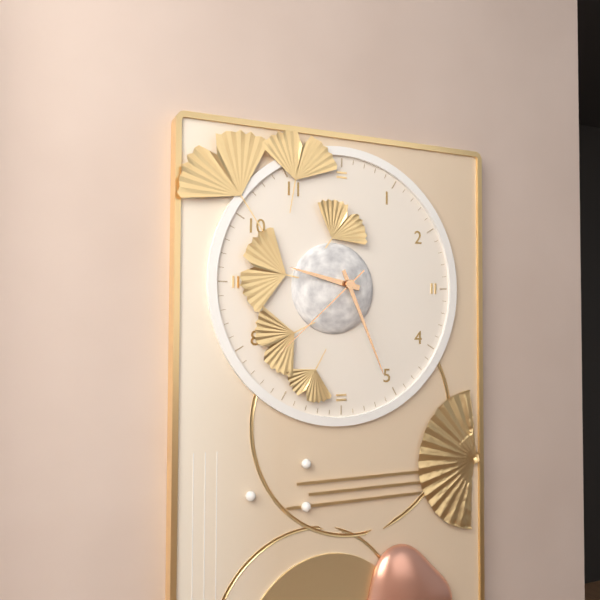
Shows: 9:26:38
